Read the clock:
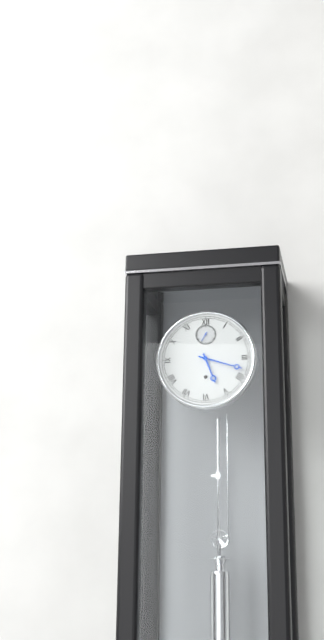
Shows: 5:18
